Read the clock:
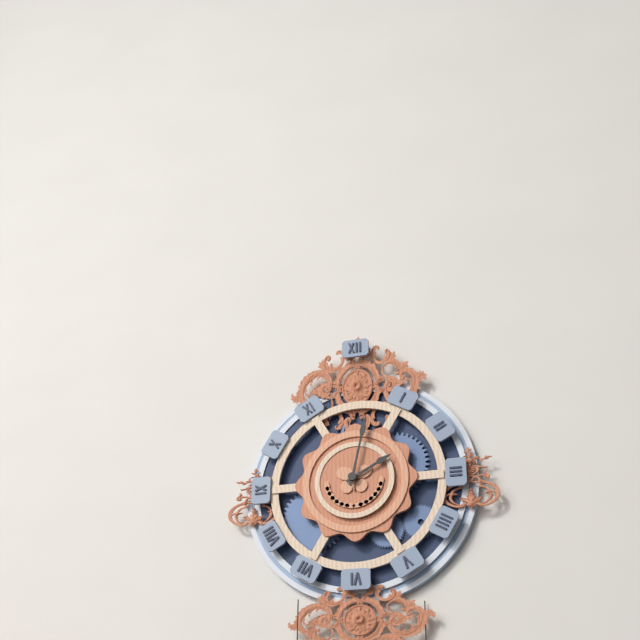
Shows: 2:02
